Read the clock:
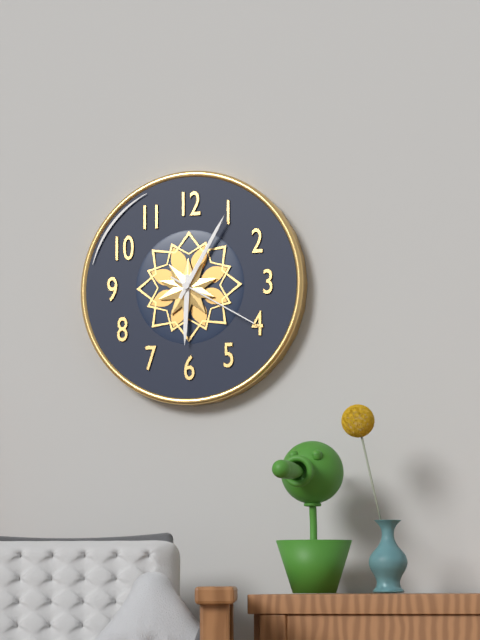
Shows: 6:05:20
